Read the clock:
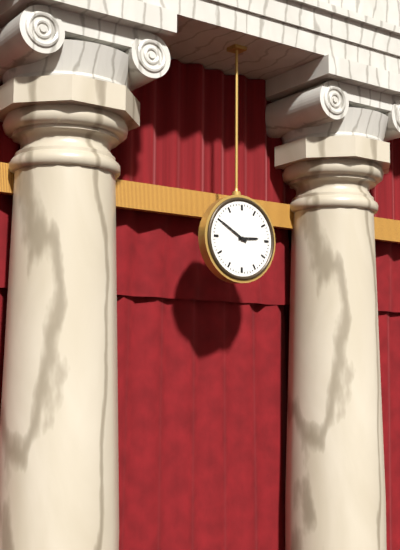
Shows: 2:50
